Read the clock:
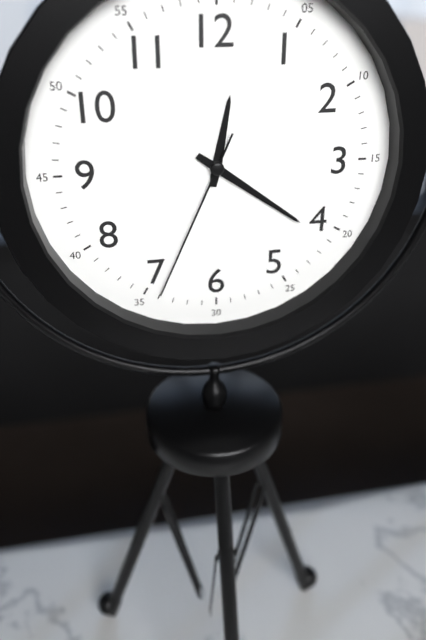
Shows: 12:21:34
